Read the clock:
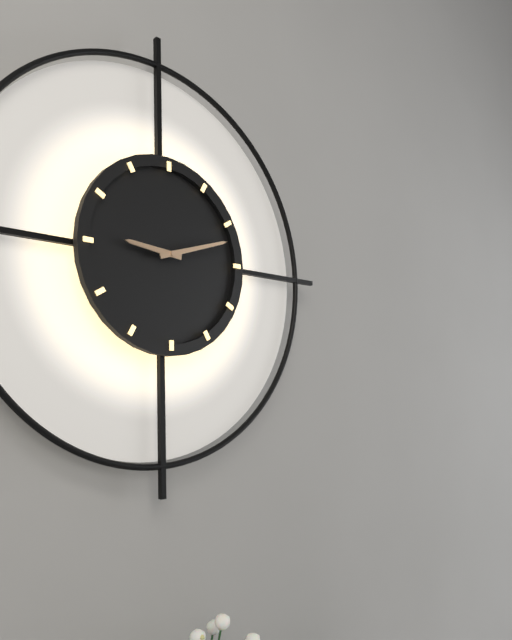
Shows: 9:12
